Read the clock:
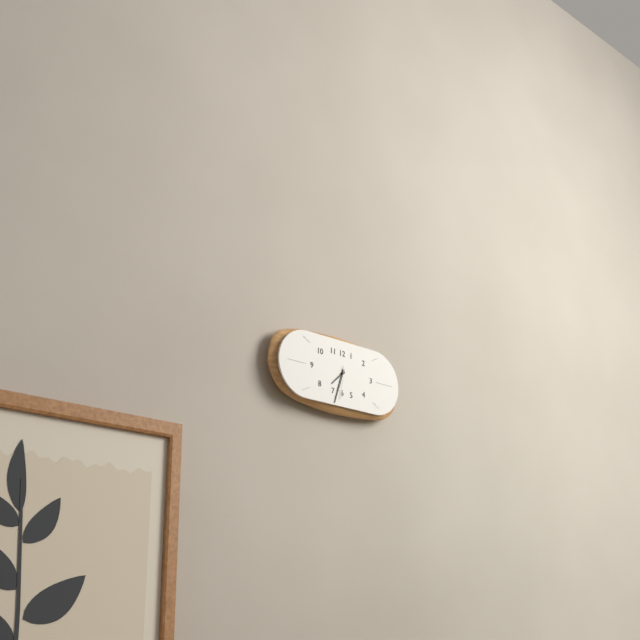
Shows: 7:33
